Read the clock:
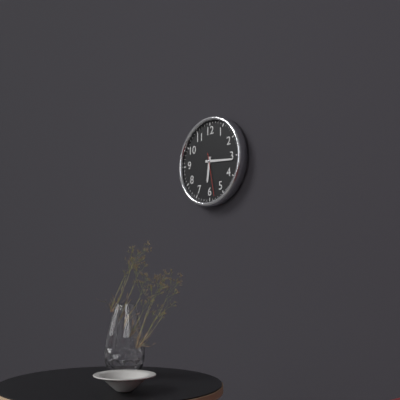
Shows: 6:16
